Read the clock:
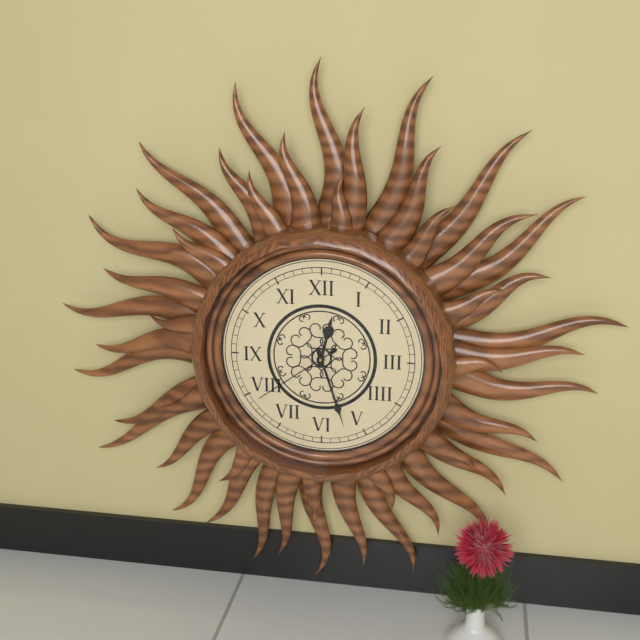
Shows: 12:27:39
